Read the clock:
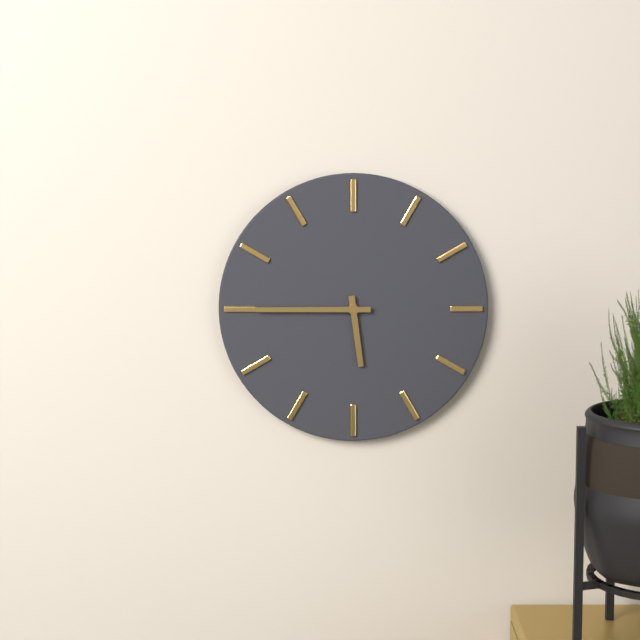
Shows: 5:45
